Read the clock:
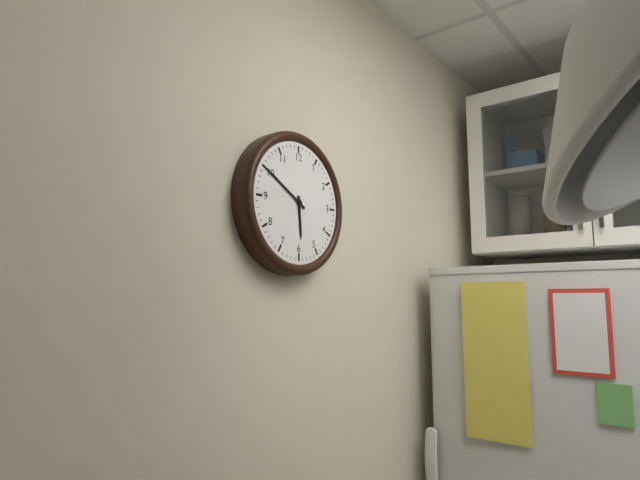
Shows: 5:50
